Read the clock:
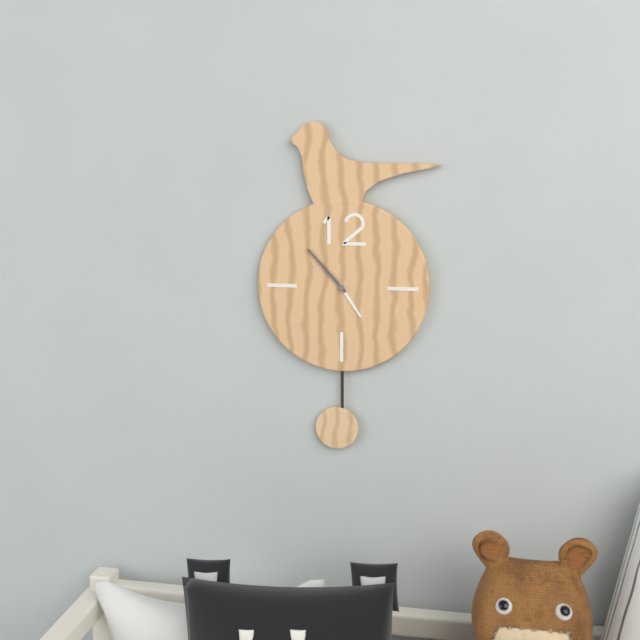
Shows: 4:53
